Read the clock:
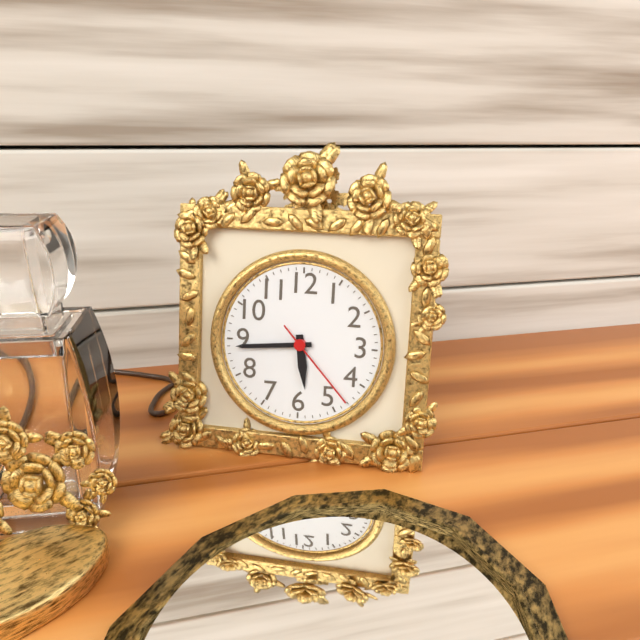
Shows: 5:44:23
